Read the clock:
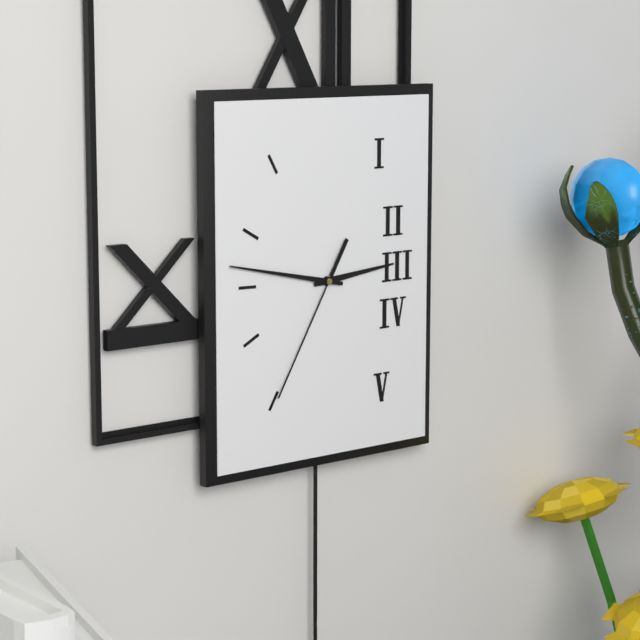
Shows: 2:47:35
